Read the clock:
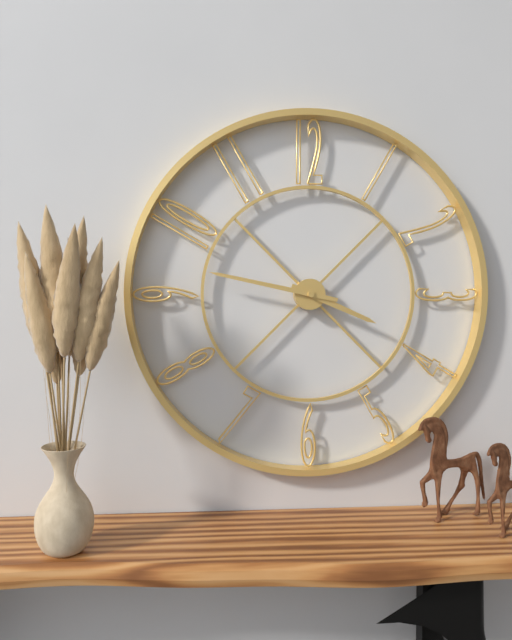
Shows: 3:47
